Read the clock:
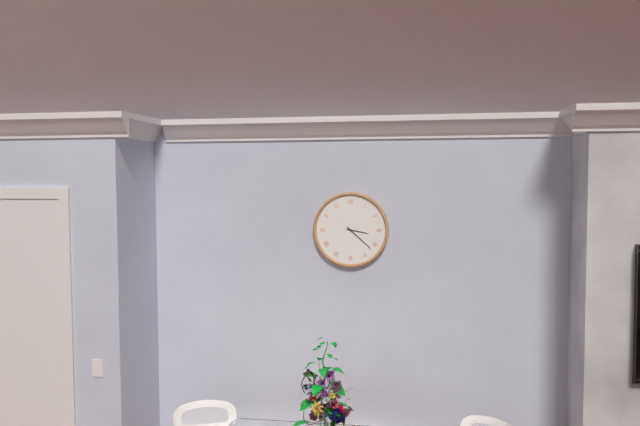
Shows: 3:22
